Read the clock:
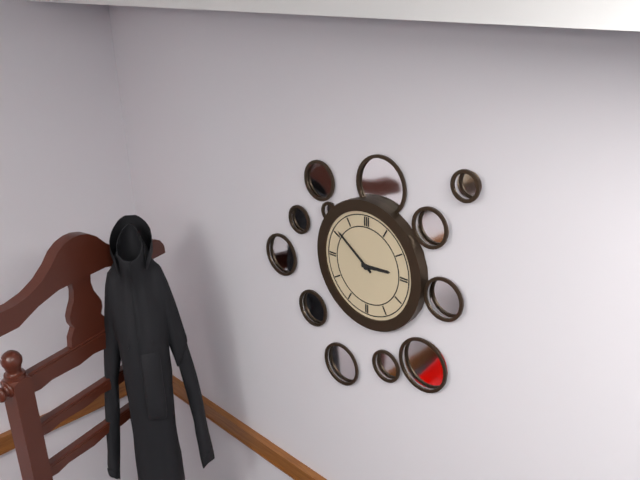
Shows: 2:51
